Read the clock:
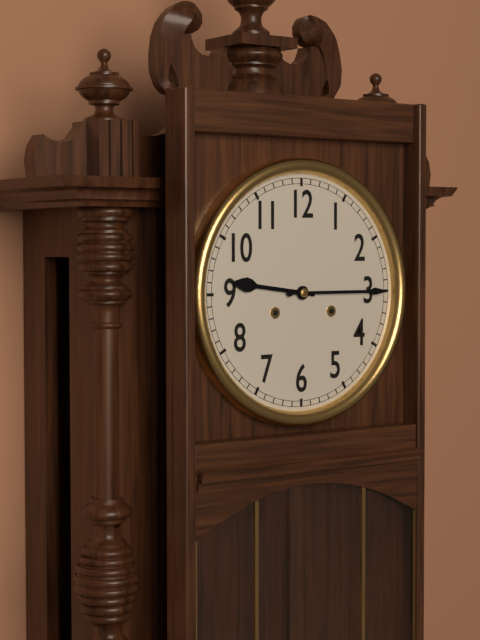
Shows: 9:15
